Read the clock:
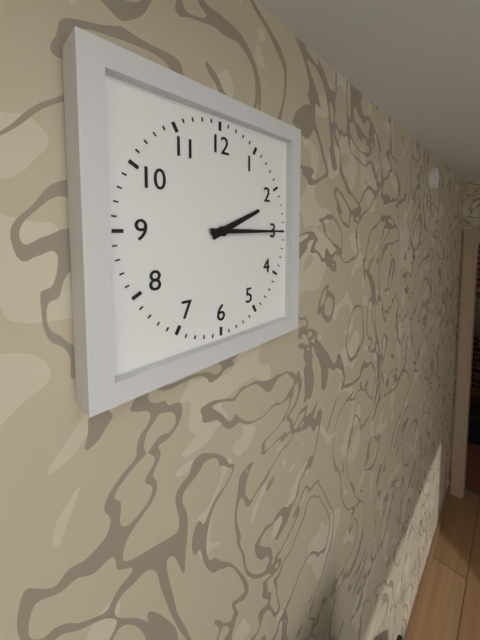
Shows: 2:15
